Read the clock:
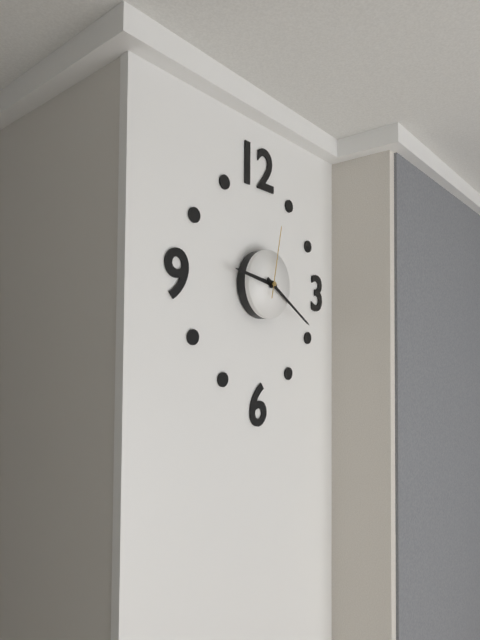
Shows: 9:20:02
